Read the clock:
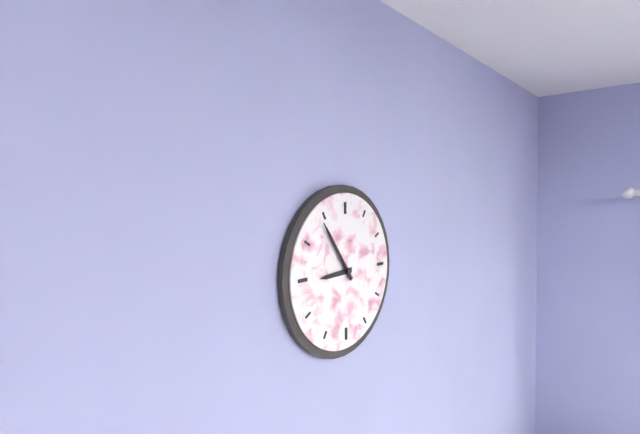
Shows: 8:54
